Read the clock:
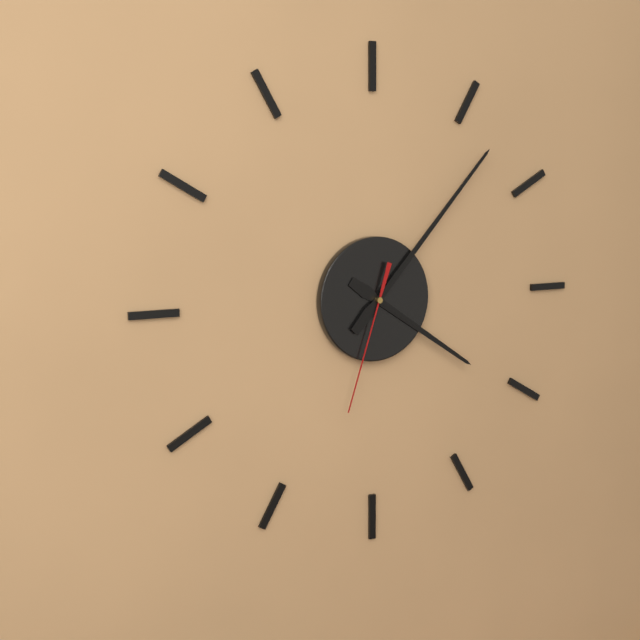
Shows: 4:07:33
